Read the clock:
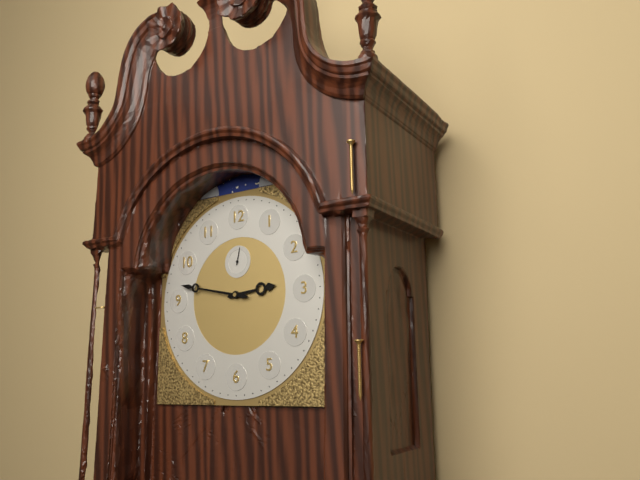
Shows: 2:47
